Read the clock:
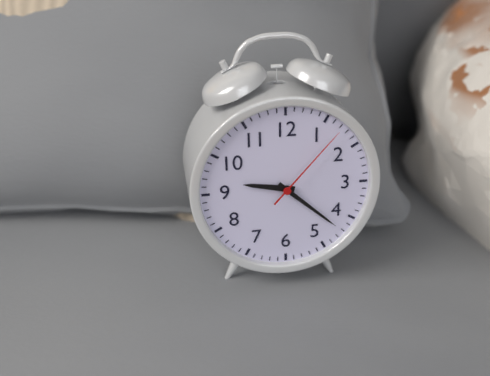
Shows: 9:22:07
